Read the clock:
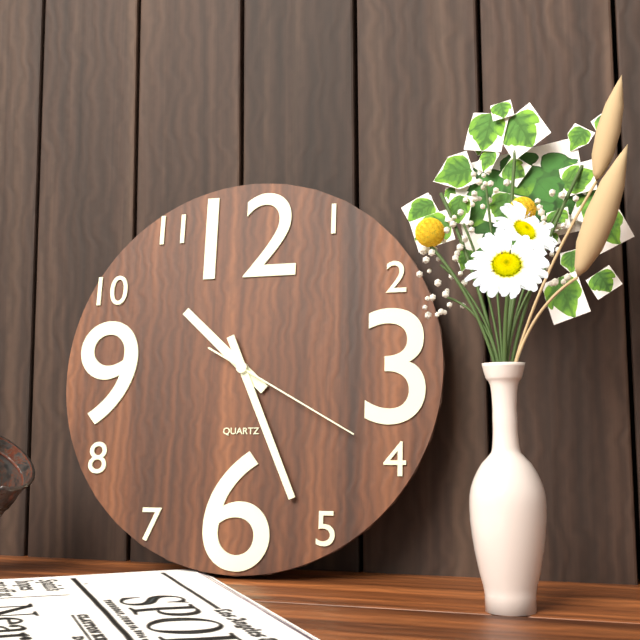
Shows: 10:26:20
